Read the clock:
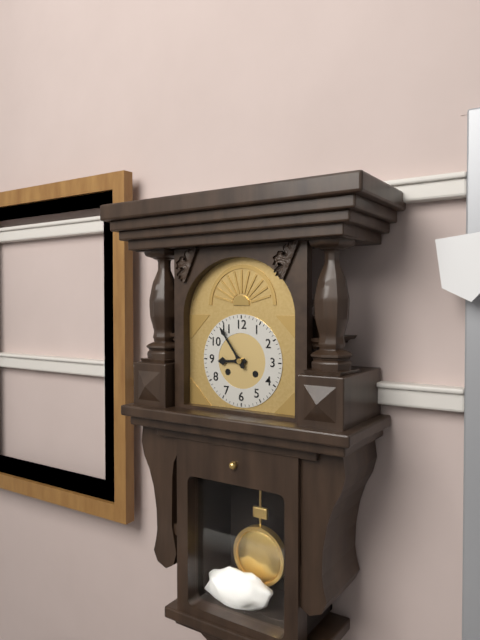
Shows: 8:54
